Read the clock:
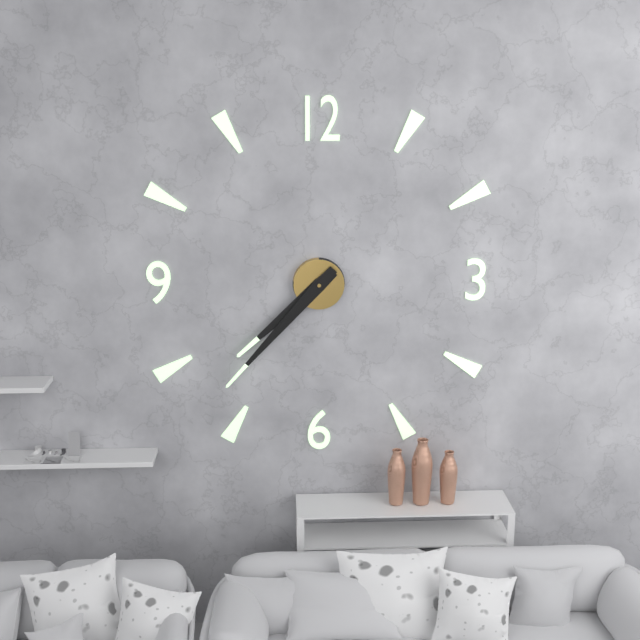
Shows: 7:37
